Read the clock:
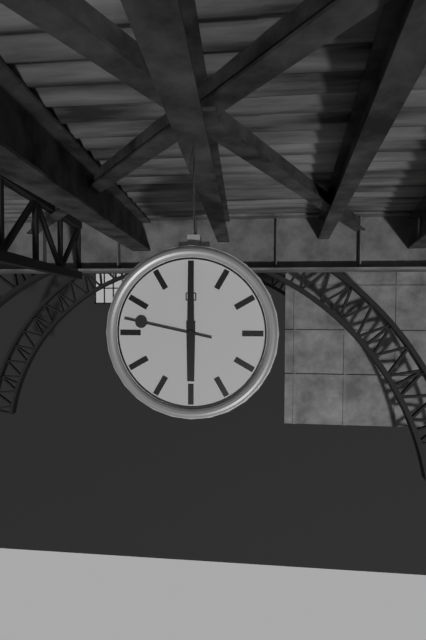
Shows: 6:00:47
